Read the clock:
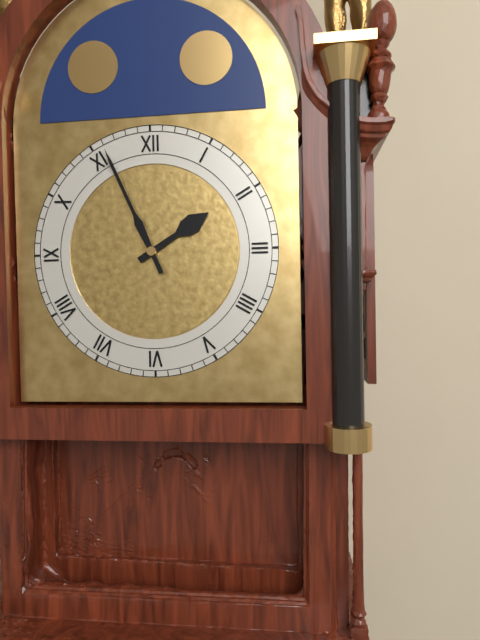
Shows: 1:56
